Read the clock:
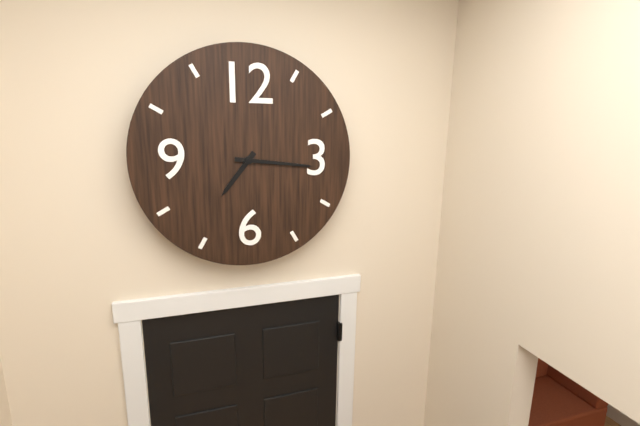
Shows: 7:16
